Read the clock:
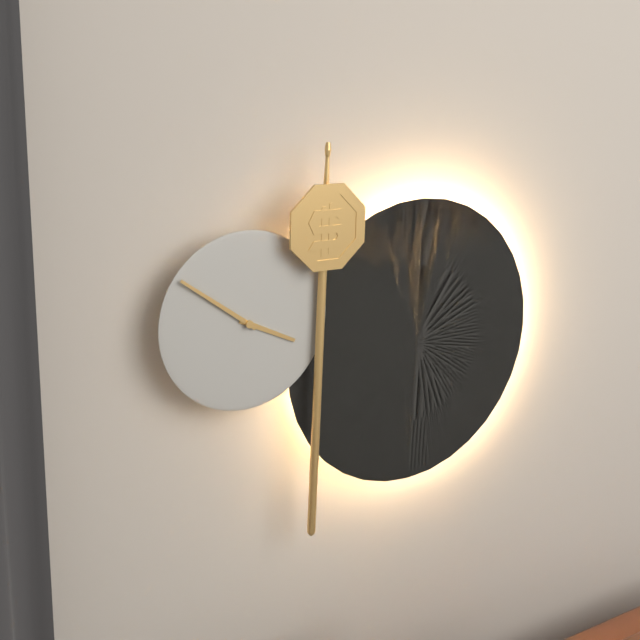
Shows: 3:51
